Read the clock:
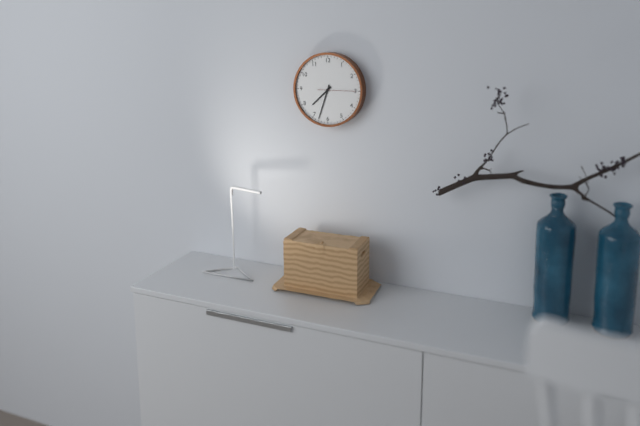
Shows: 7:33
